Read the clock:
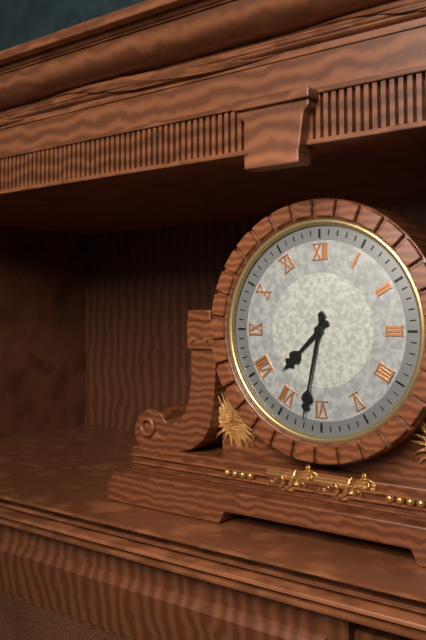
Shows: 7:32
